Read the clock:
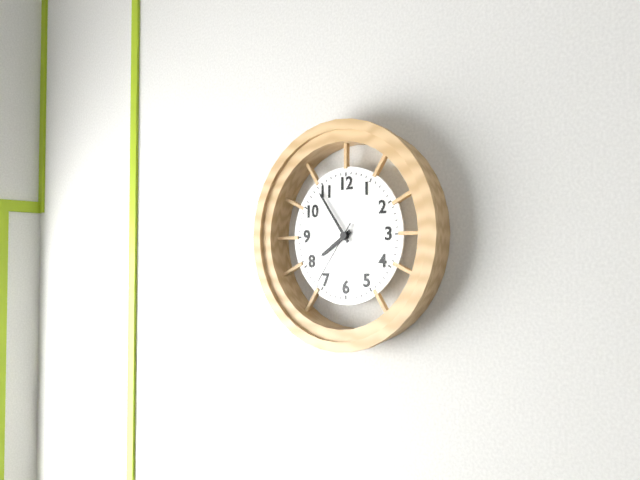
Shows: 7:54:36
